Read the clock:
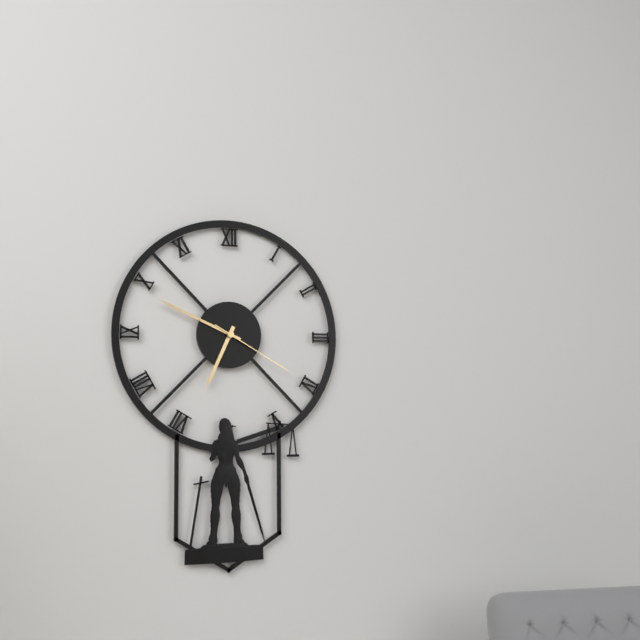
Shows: 6:49:20
